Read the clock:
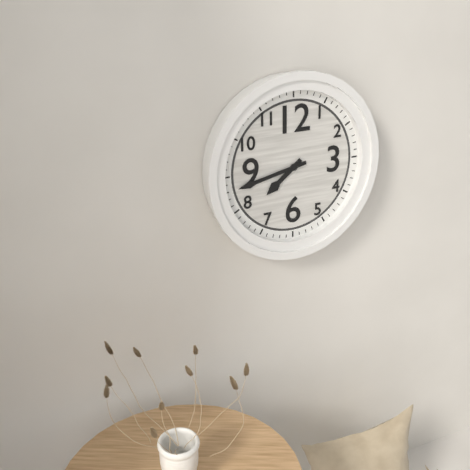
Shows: 7:43
